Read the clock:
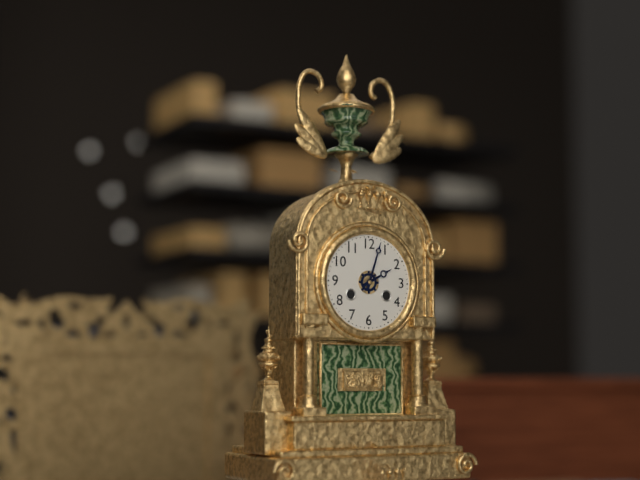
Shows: 2:03
